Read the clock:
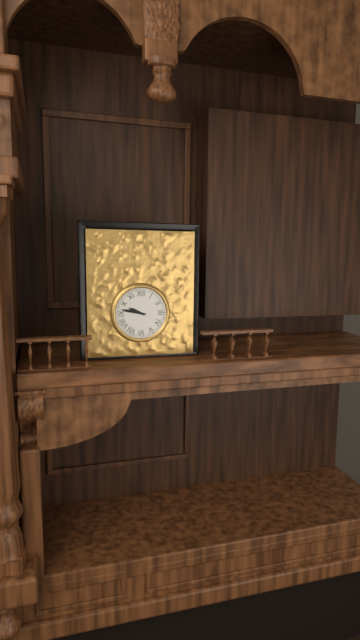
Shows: 9:47
